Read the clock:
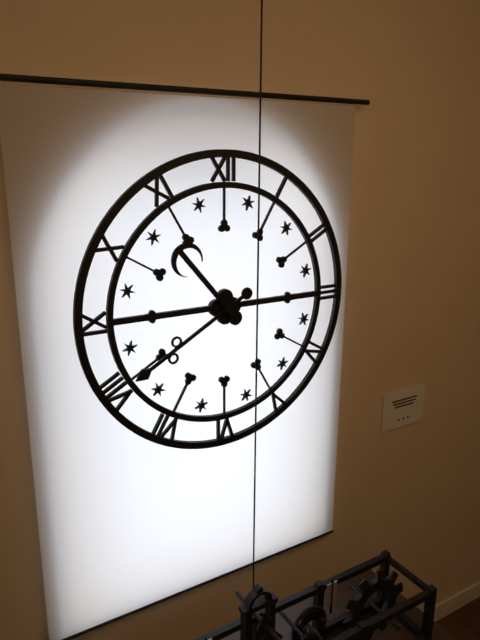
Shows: 10:40
